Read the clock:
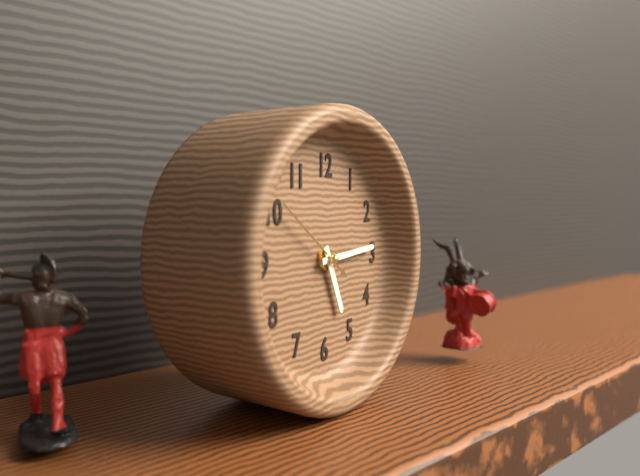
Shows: 5:14:51
